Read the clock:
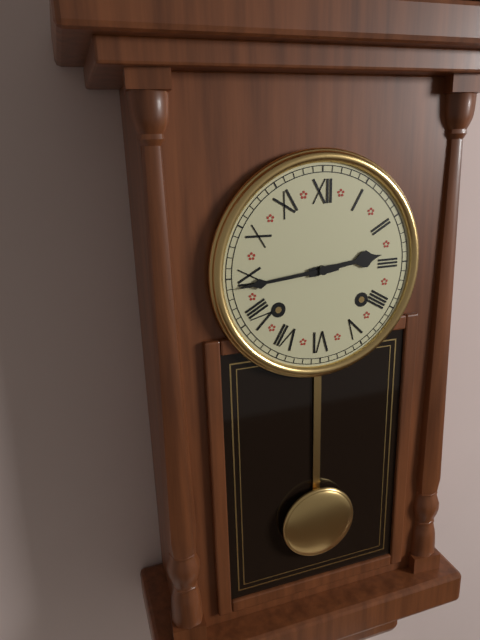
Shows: 2:44
